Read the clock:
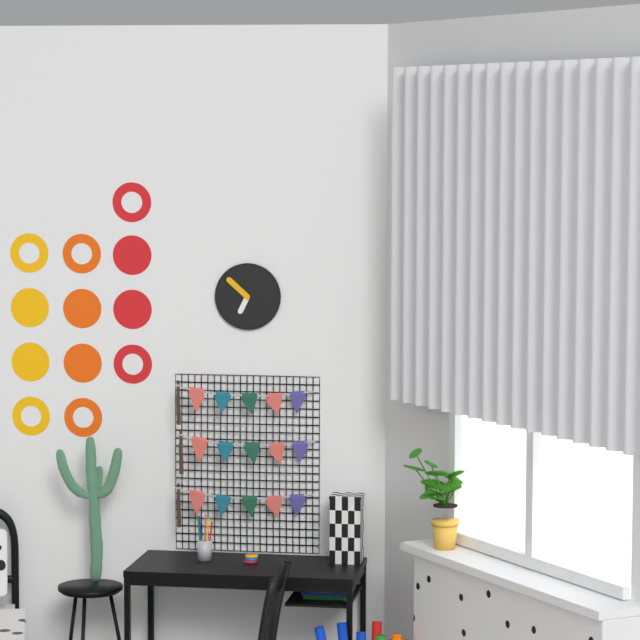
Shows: 6:52
